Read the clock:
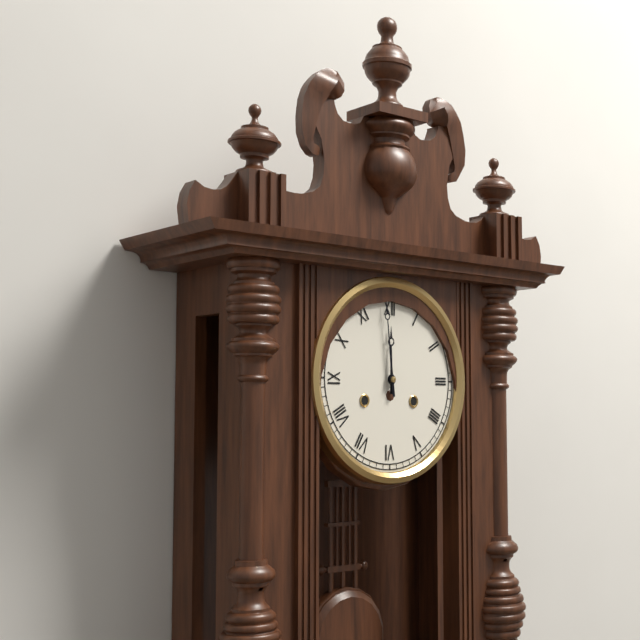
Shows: 11:59
